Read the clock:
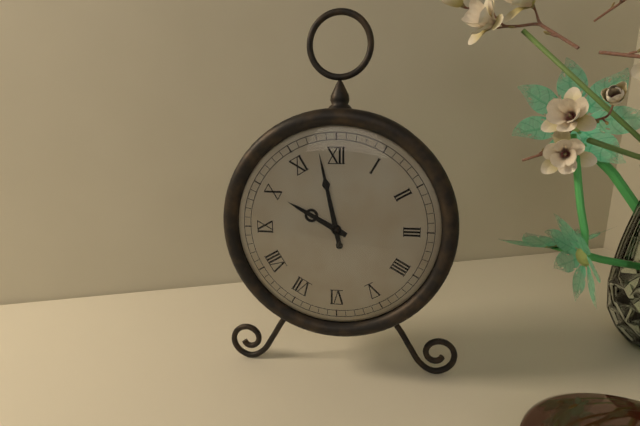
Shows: 9:58
